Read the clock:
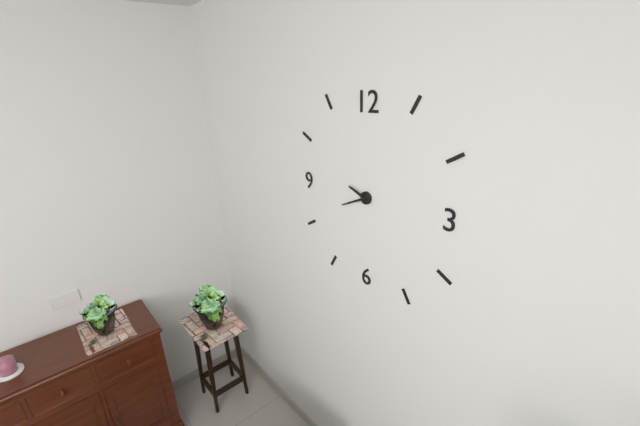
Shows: 9:41
